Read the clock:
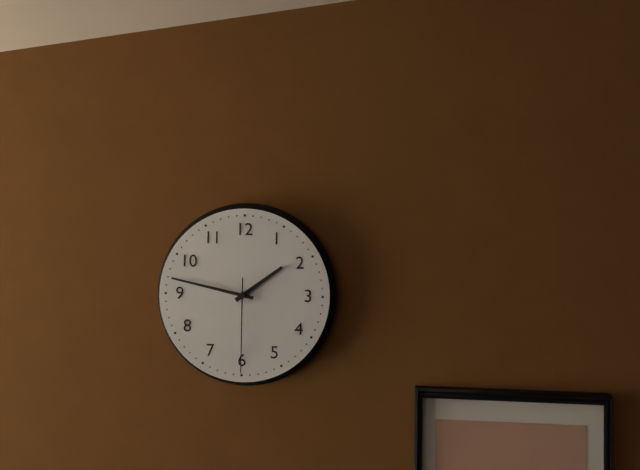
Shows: 1:47:30
